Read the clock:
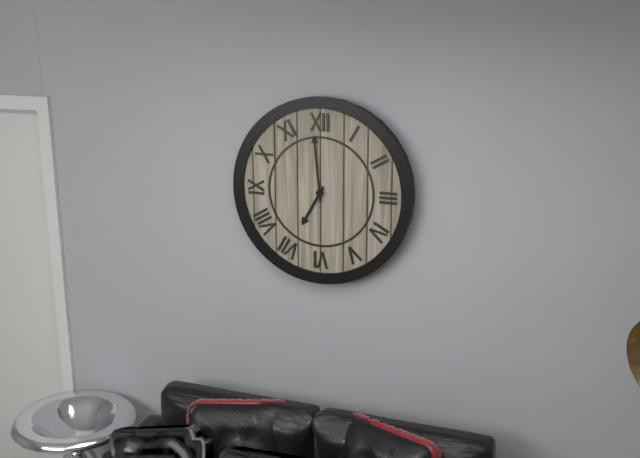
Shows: 6:59
